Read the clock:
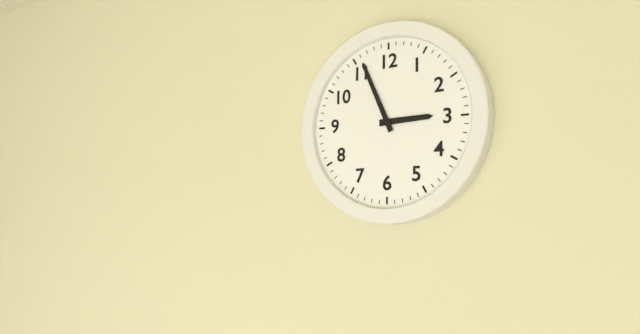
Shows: 2:56
